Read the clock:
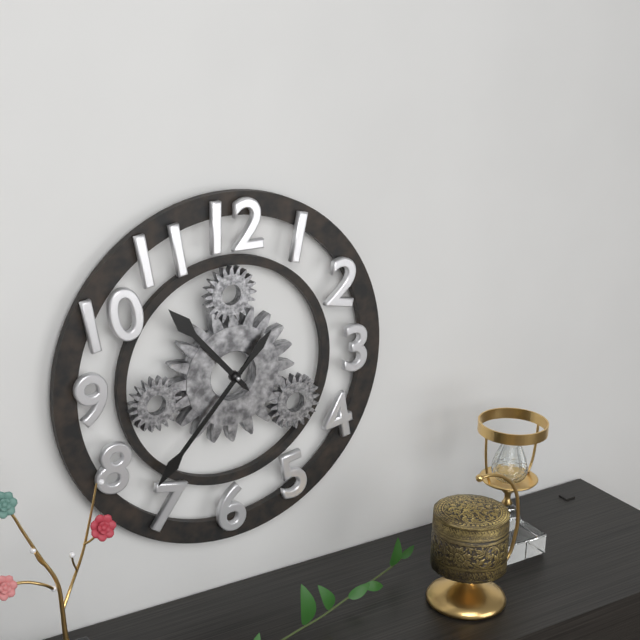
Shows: 10:37
